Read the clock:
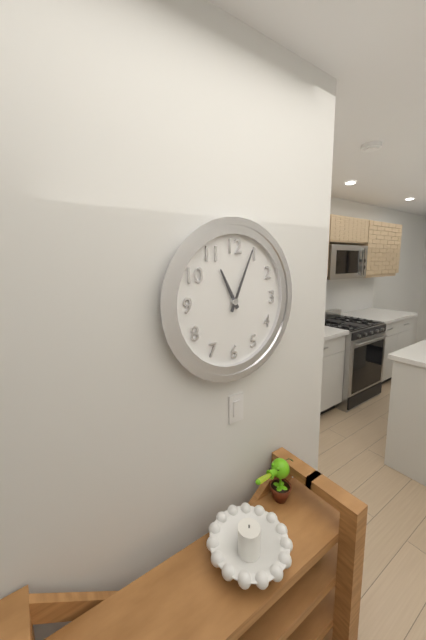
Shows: 11:04
